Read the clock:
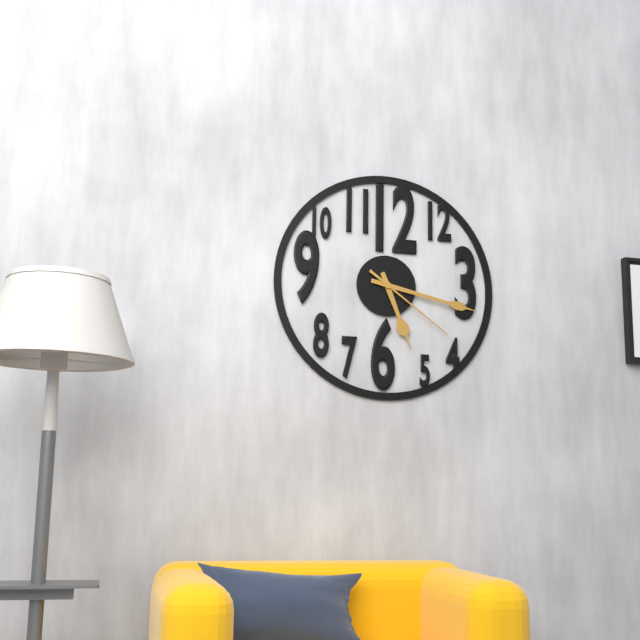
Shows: 5:17:21
